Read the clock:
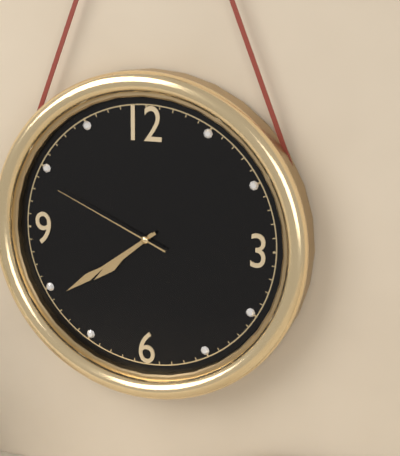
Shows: 7:39:49
